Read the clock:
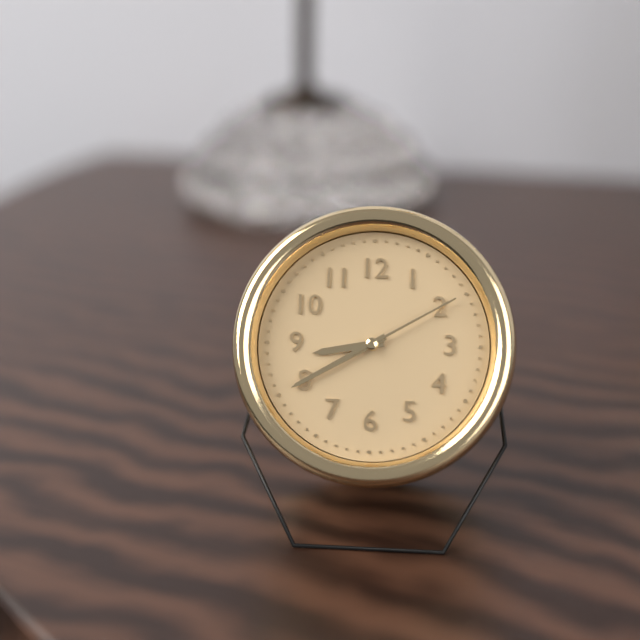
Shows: 8:40:10
